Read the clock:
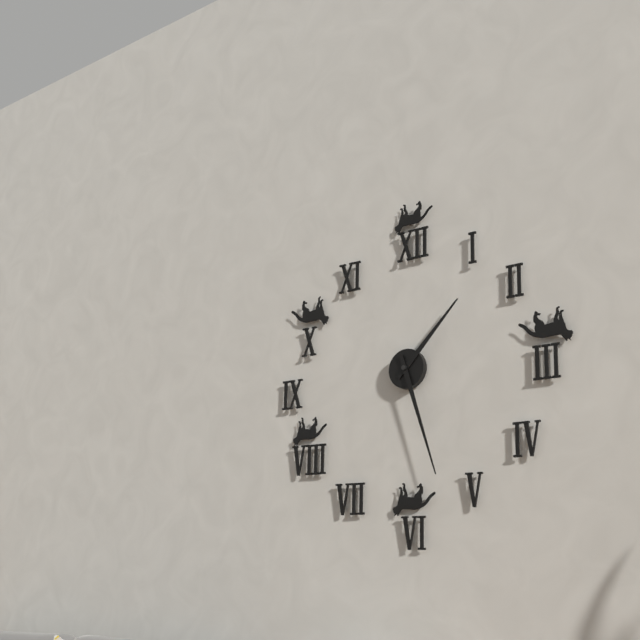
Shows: 1:27
